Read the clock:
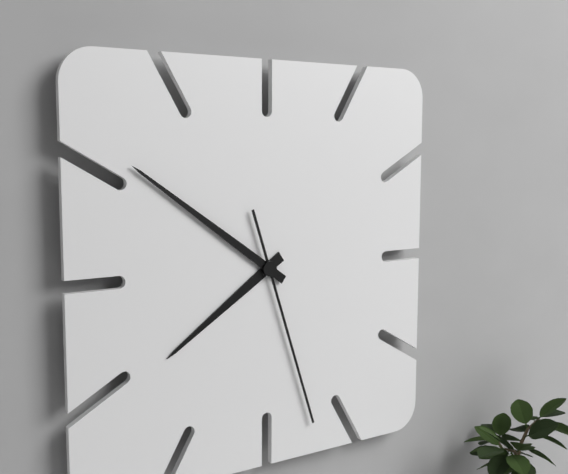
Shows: 7:51:27
